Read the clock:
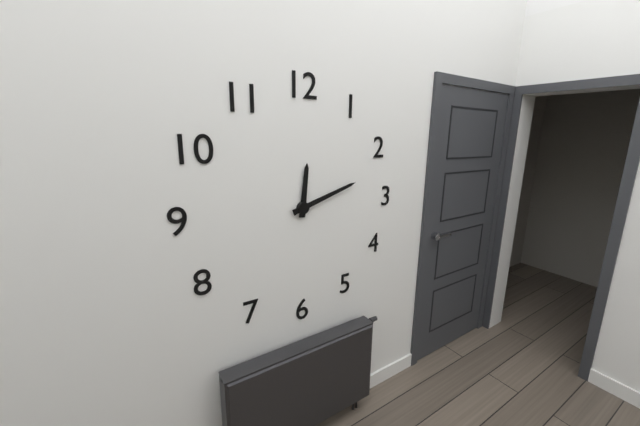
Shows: 12:12
